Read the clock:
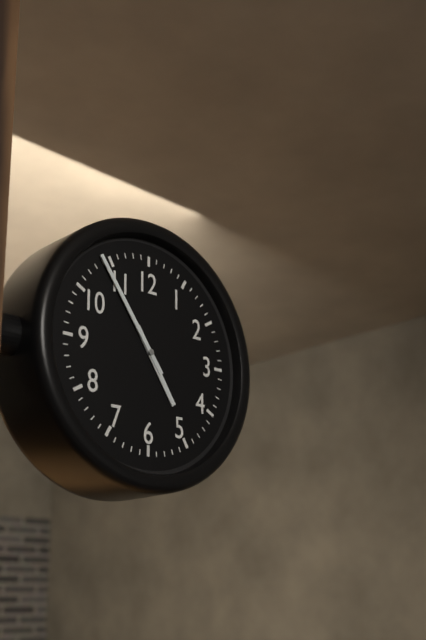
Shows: 4:54
